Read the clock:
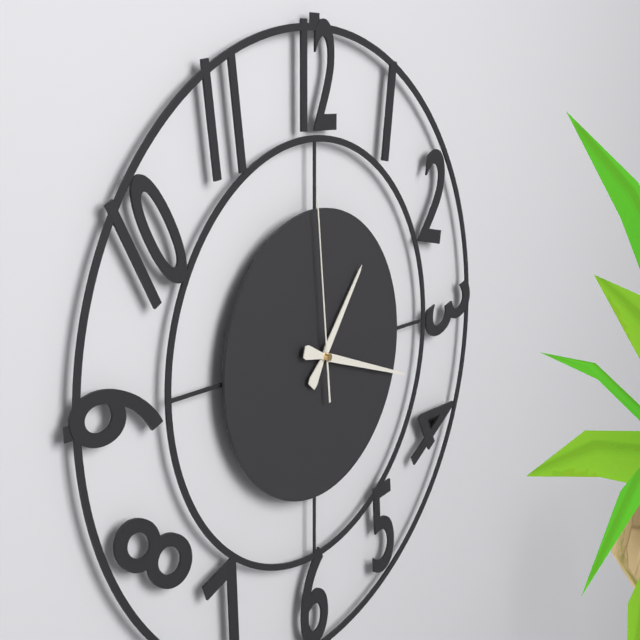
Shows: 1:18:59
